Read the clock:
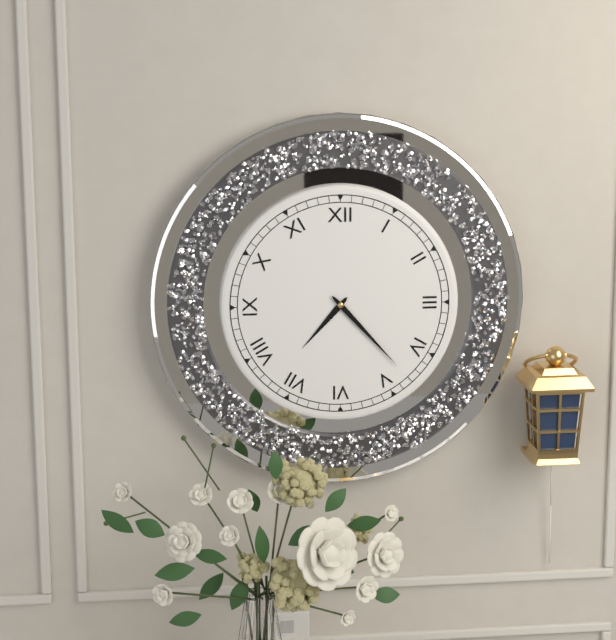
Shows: 7:23
